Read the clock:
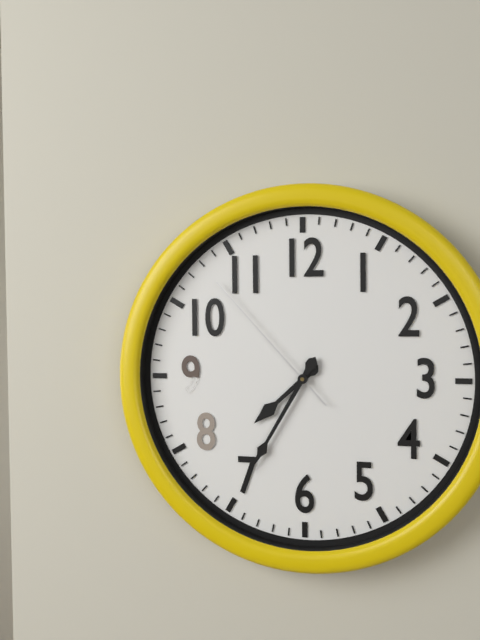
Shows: 7:35:53
